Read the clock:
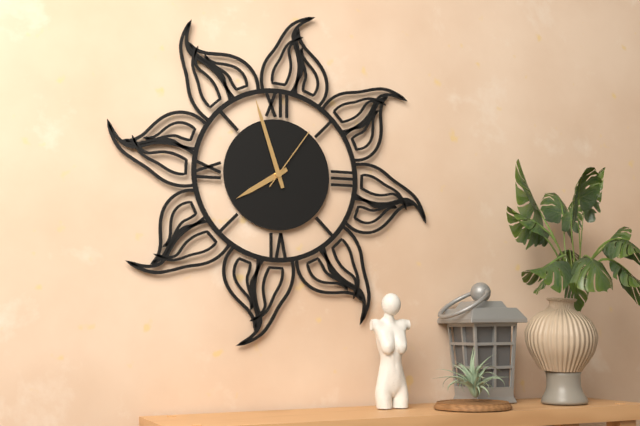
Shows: 7:57:06
